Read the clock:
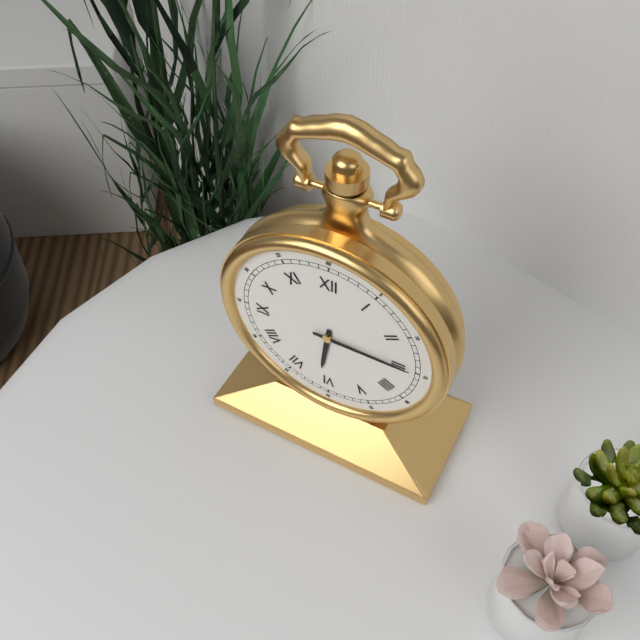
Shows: 6:15
